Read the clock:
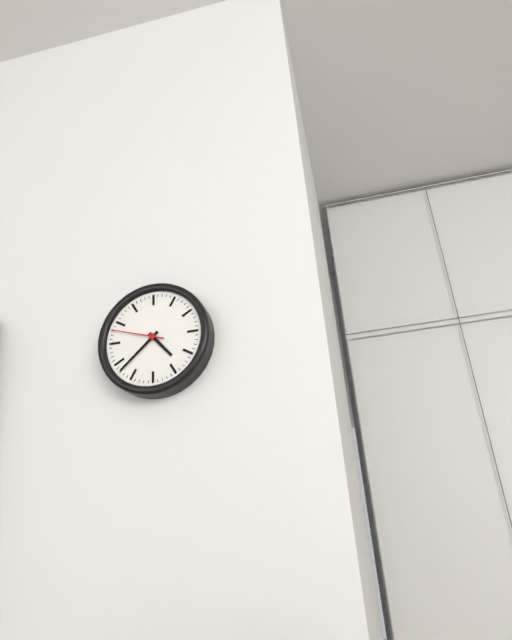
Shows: 4:38:48
